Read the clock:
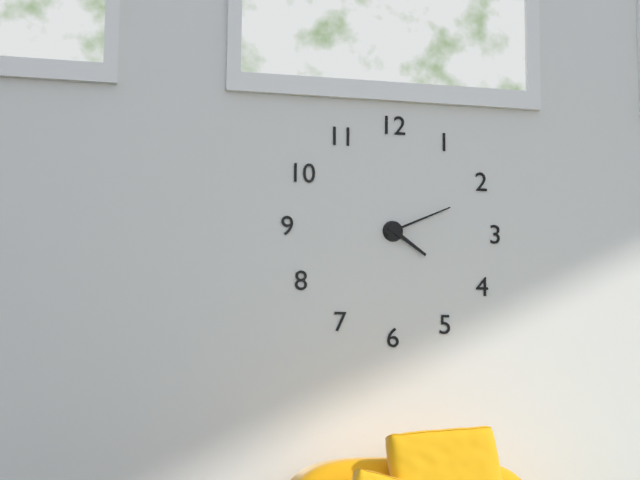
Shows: 4:11
